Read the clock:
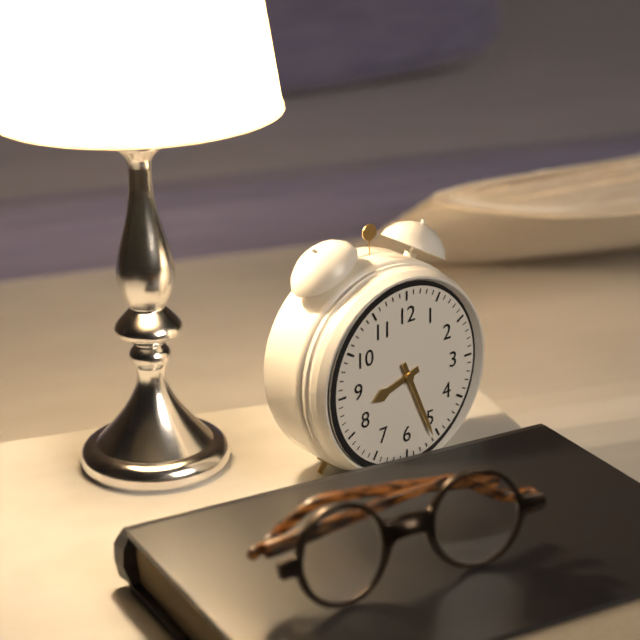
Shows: 8:26
